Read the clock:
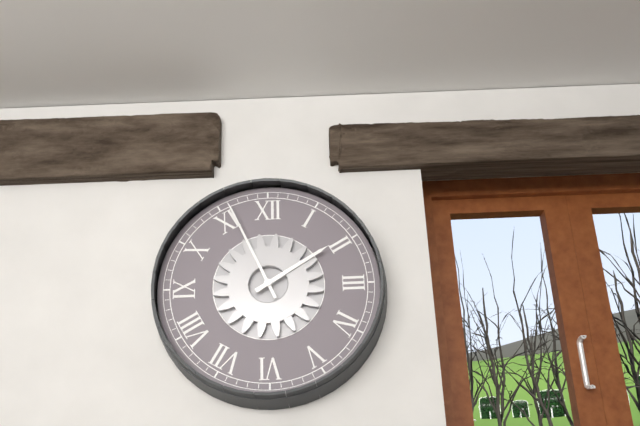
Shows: 1:56
